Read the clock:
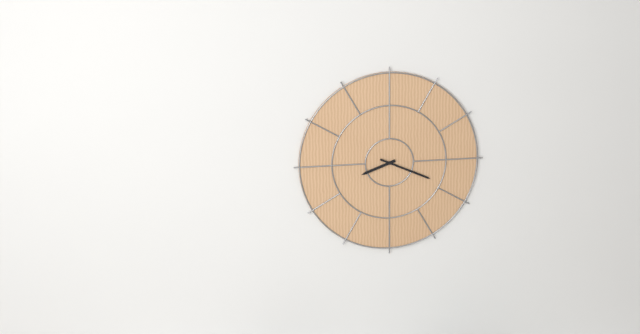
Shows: 8:19
